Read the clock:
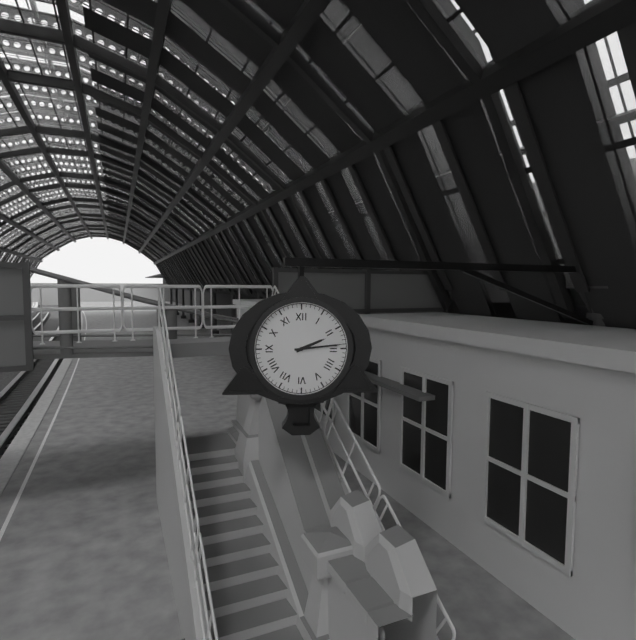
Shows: 2:14
